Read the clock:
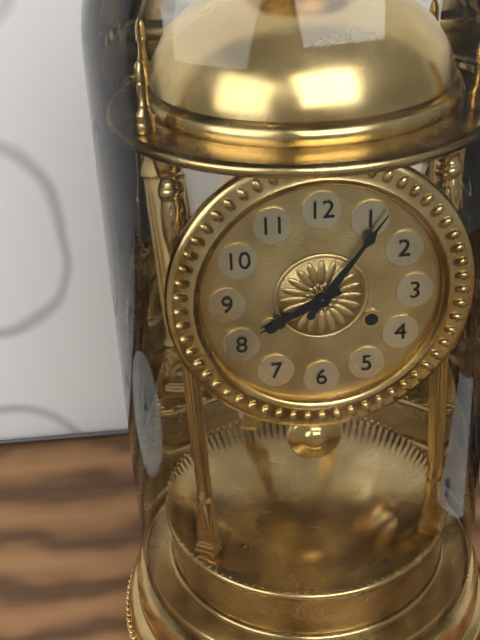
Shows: 8:06
